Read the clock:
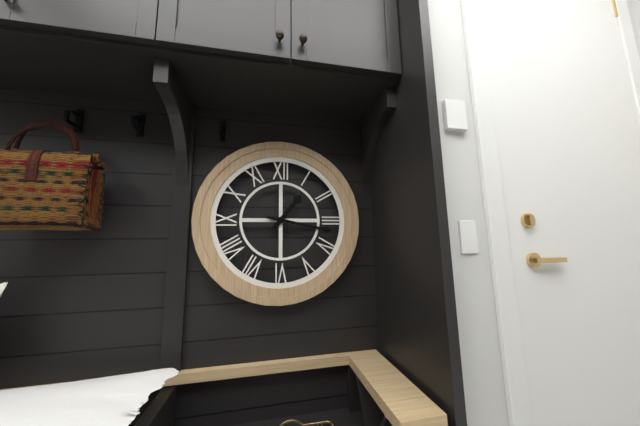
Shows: 1:17
